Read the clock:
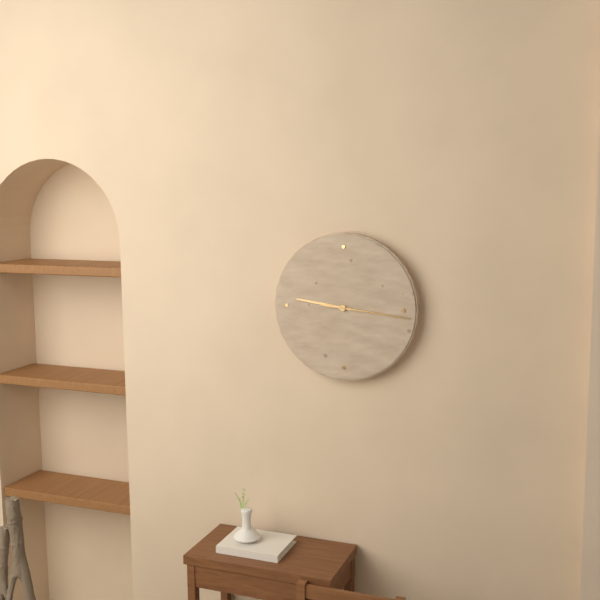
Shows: 9:16
